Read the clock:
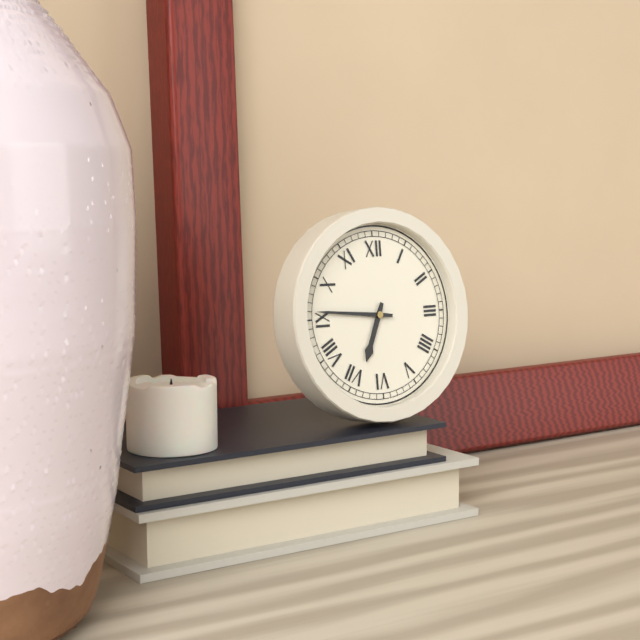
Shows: 6:46
